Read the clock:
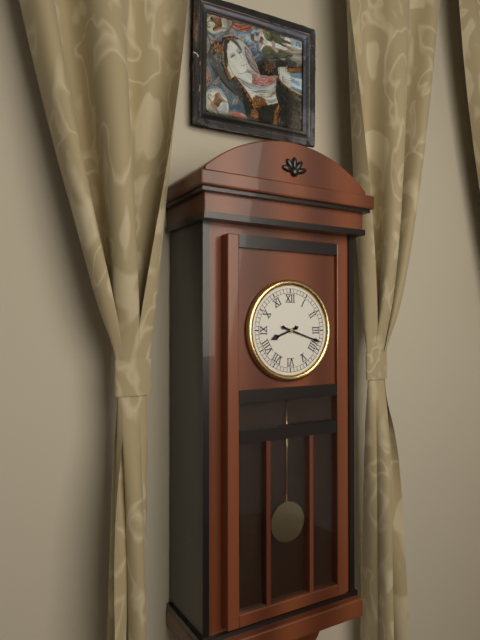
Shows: 8:18
